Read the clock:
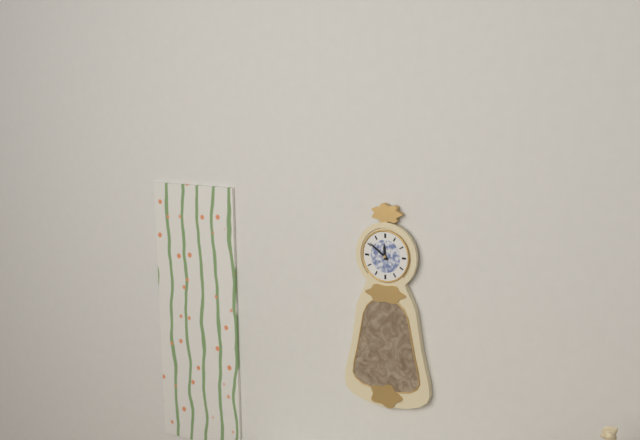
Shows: 11:51
